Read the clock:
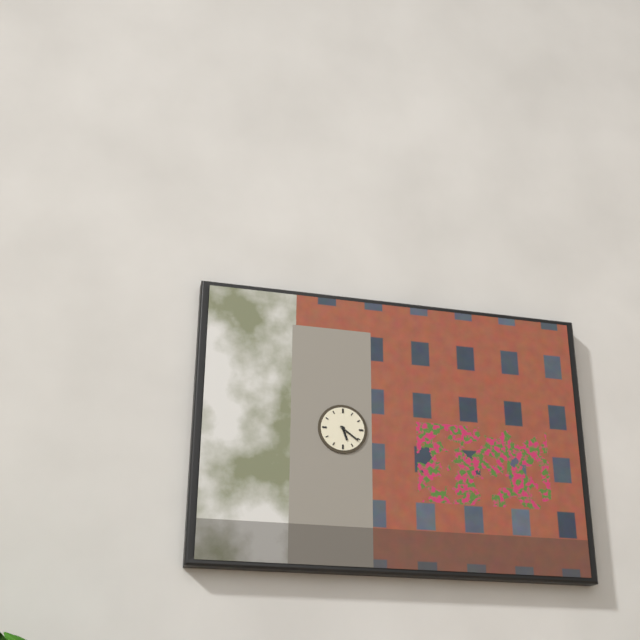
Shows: 5:21
